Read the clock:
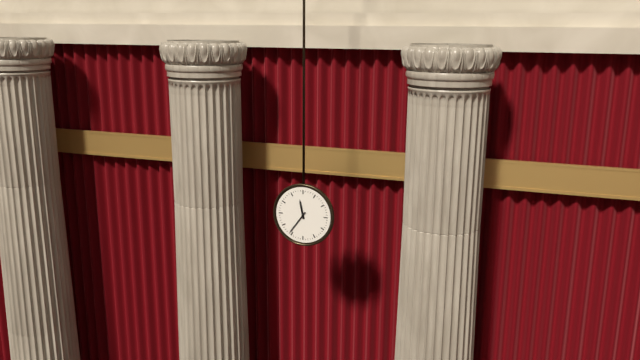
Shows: 11:36
